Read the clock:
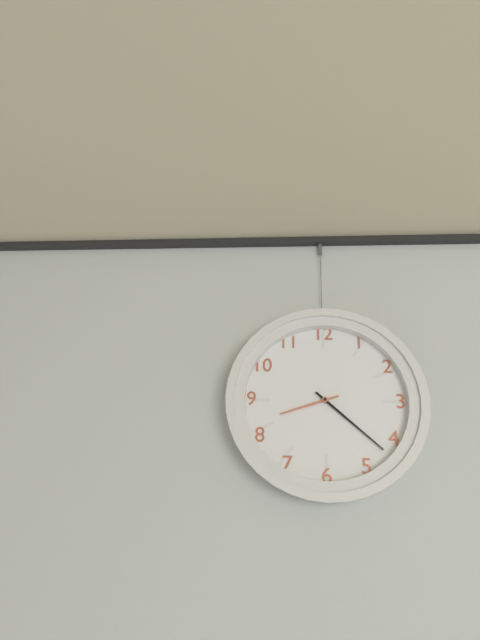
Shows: 8:22
